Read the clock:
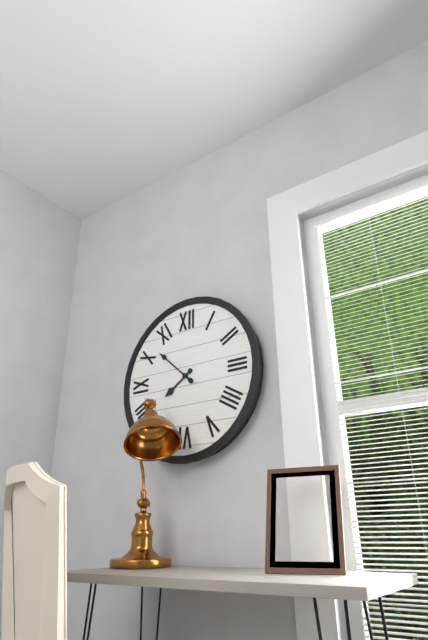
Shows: 7:52
